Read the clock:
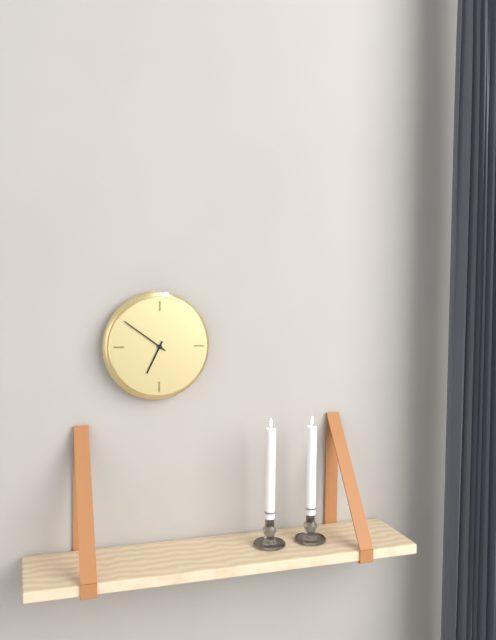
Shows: 6:51
